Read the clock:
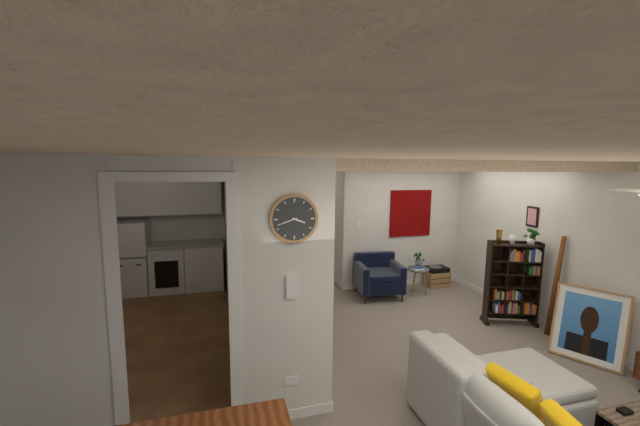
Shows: 3:42
